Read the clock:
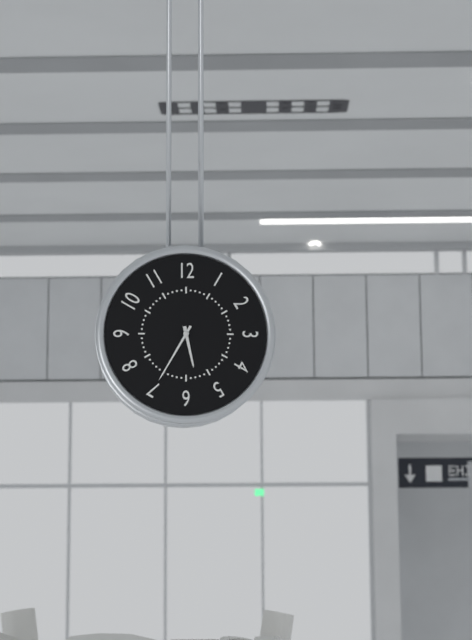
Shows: 5:35
